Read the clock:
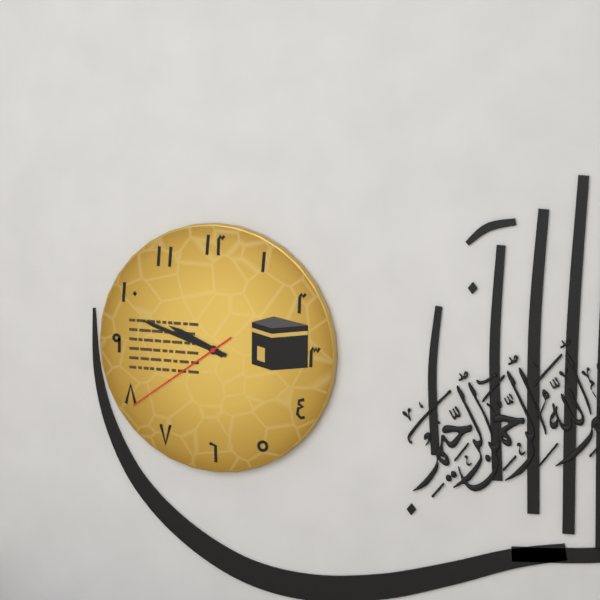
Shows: 9:48:39
